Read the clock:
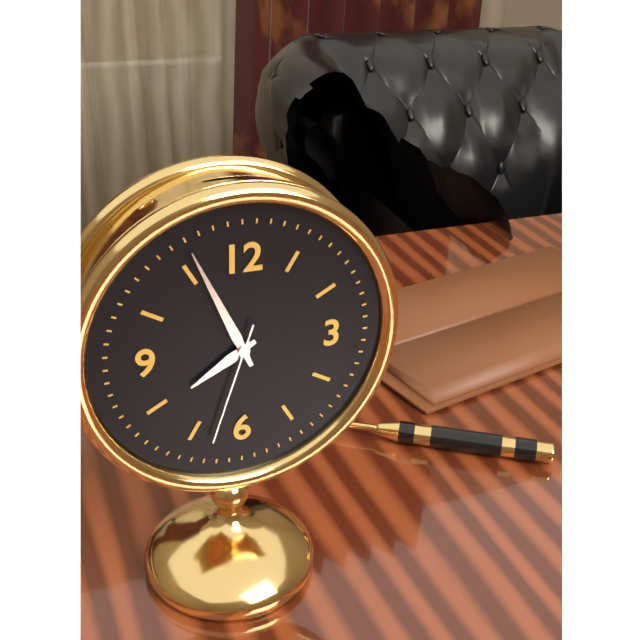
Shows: 7:56:33
